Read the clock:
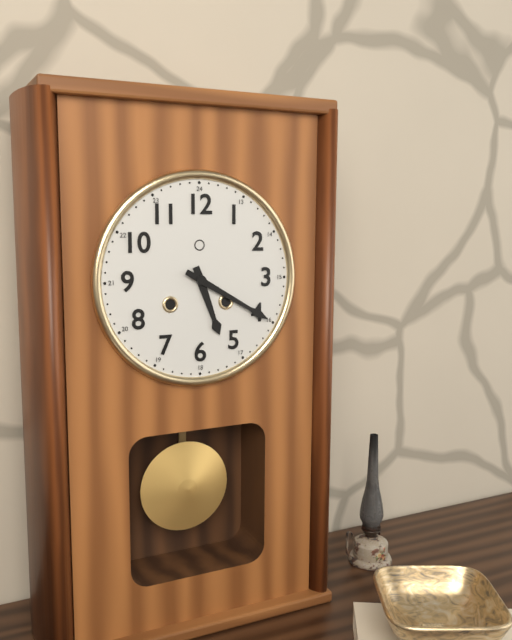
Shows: 5:20
